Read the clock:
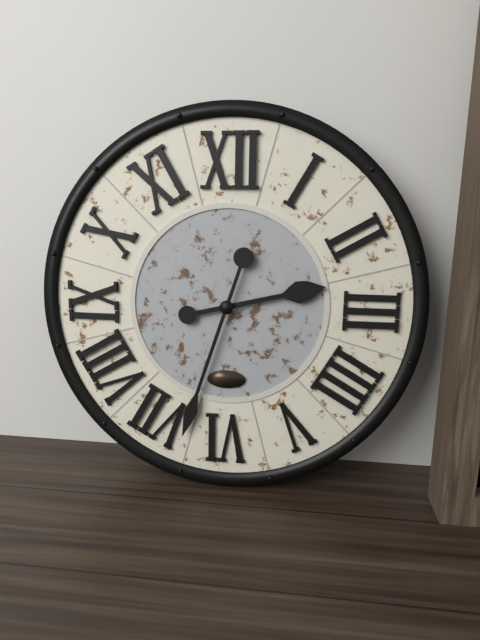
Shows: 2:33
